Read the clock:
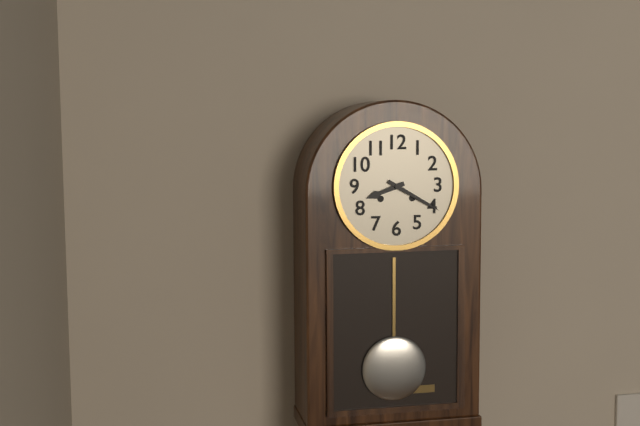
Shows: 8:20
